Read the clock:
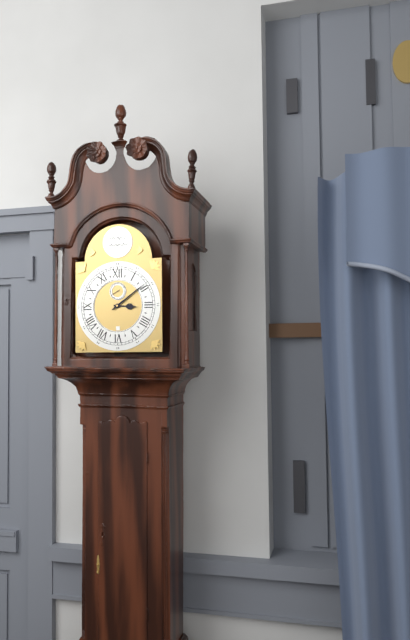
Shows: 3:09
